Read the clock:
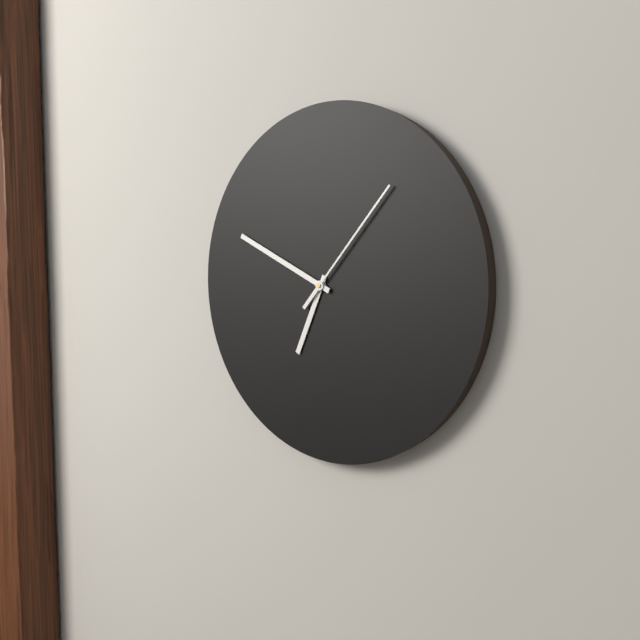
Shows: 6:49:07
